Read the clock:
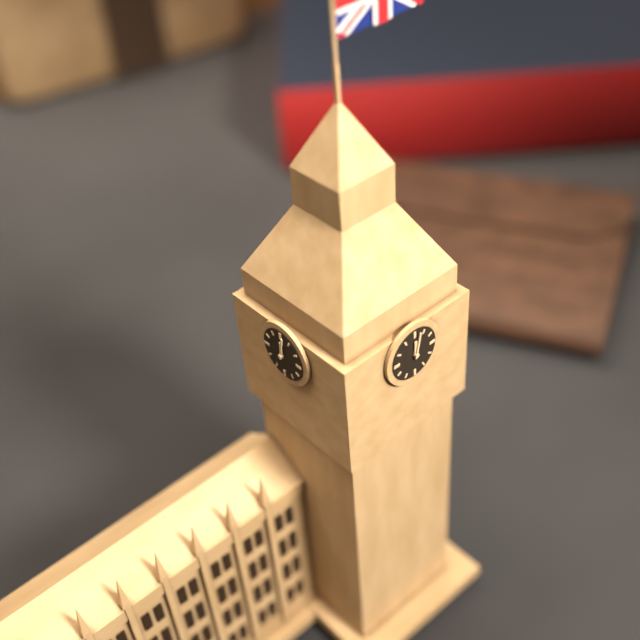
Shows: 12:02
